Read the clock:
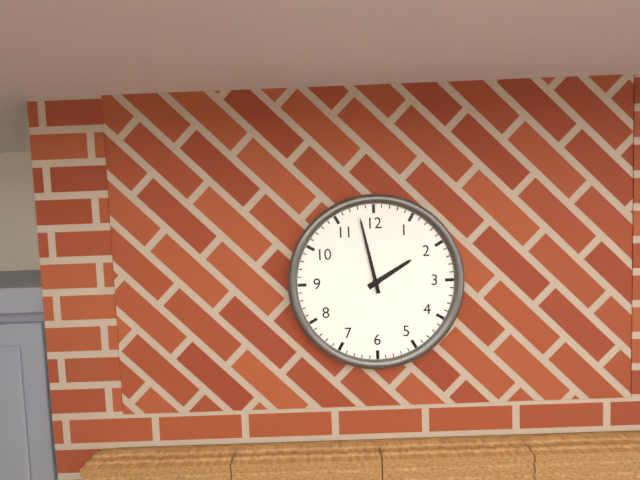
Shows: 1:58
